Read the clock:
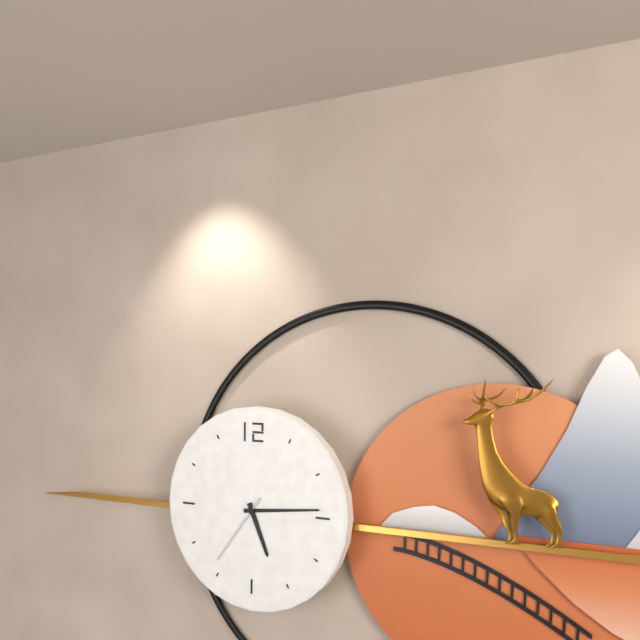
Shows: 5:14:36
